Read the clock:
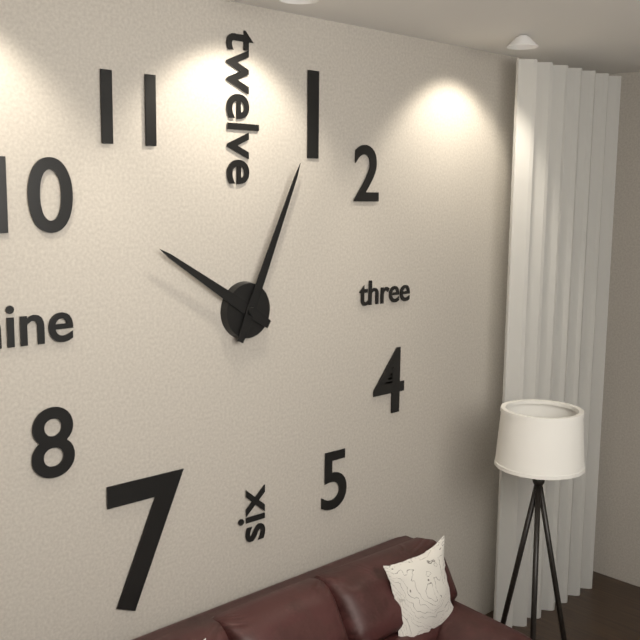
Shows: 10:04
